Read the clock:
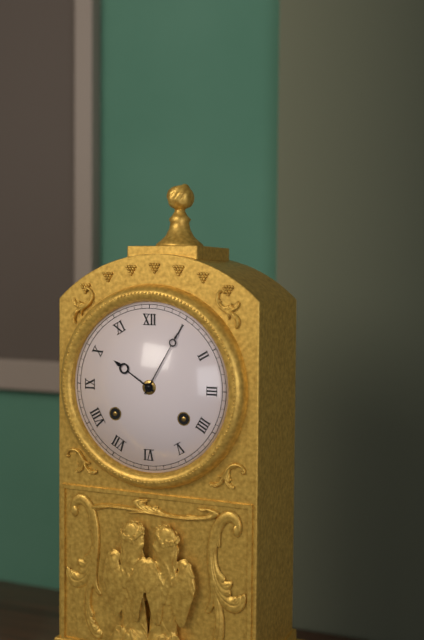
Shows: 10:05
